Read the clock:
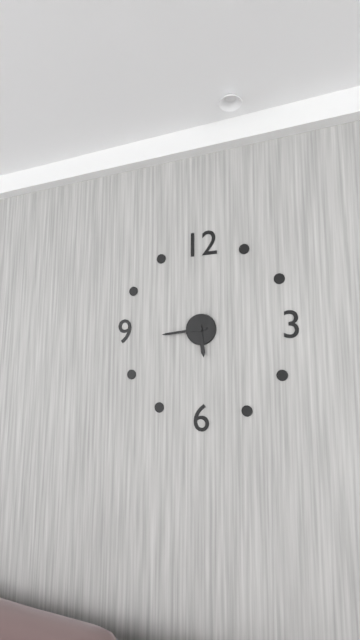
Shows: 5:44
